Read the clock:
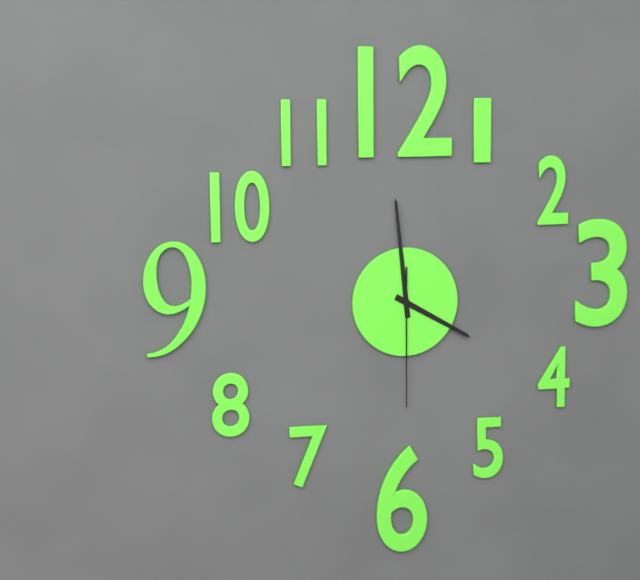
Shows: 3:59:30
